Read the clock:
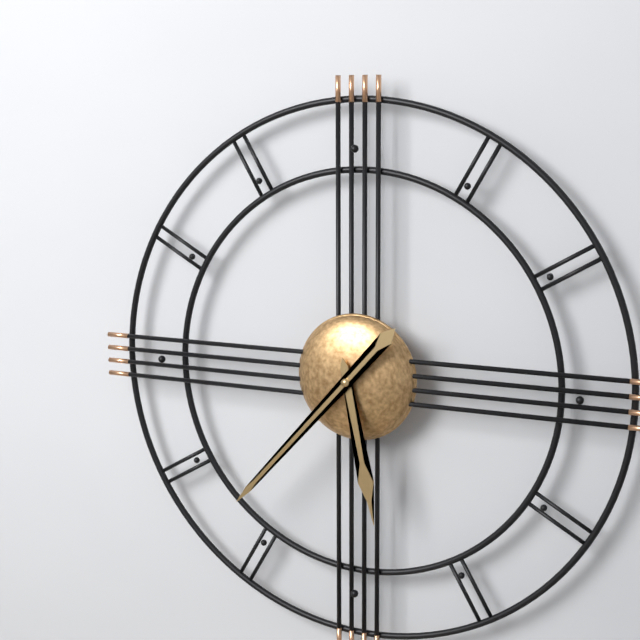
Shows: 5:37
